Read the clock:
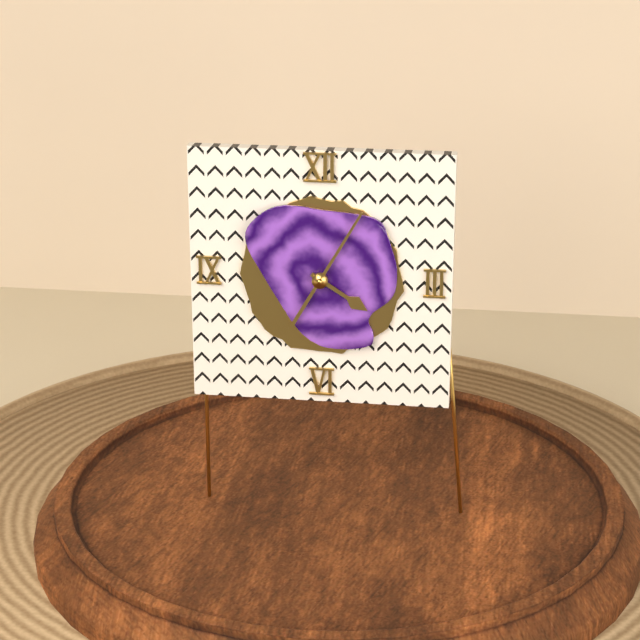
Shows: 4:05
